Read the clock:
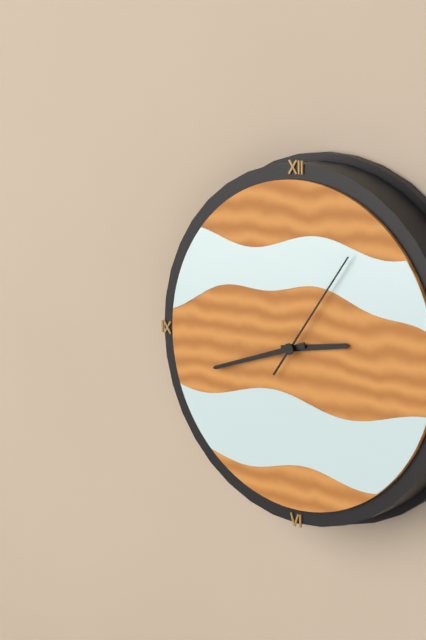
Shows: 2:42:06
